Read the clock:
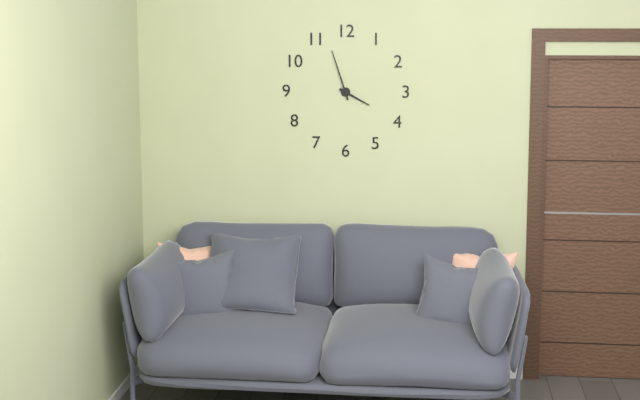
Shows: 3:57
